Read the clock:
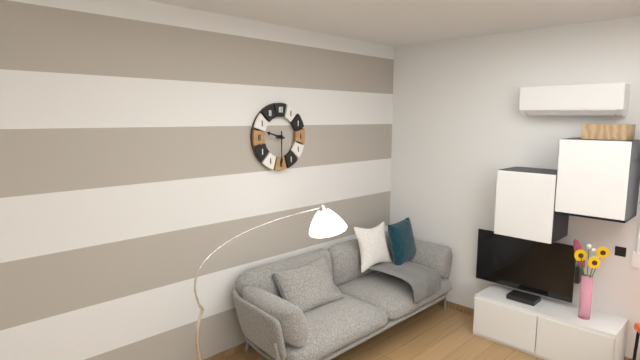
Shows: 9:30
